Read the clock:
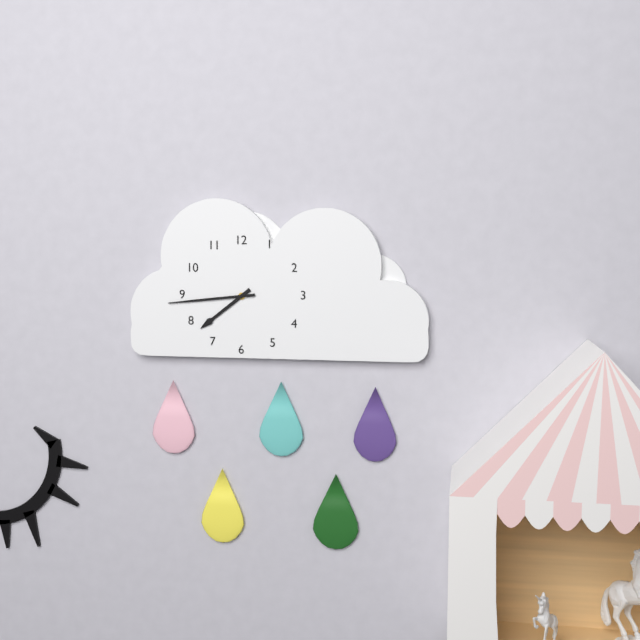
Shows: 7:44
